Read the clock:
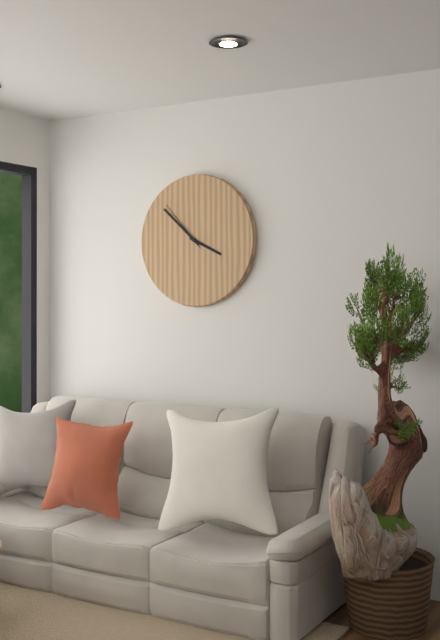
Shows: 3:52:53
